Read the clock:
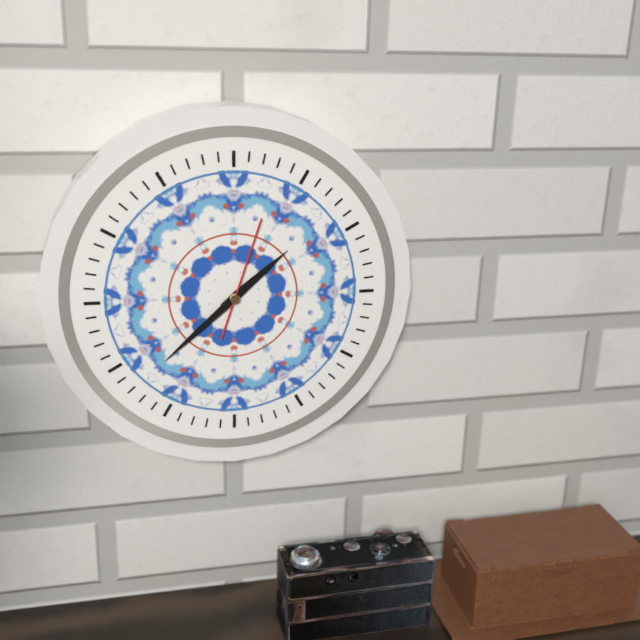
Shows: 1:38:03
